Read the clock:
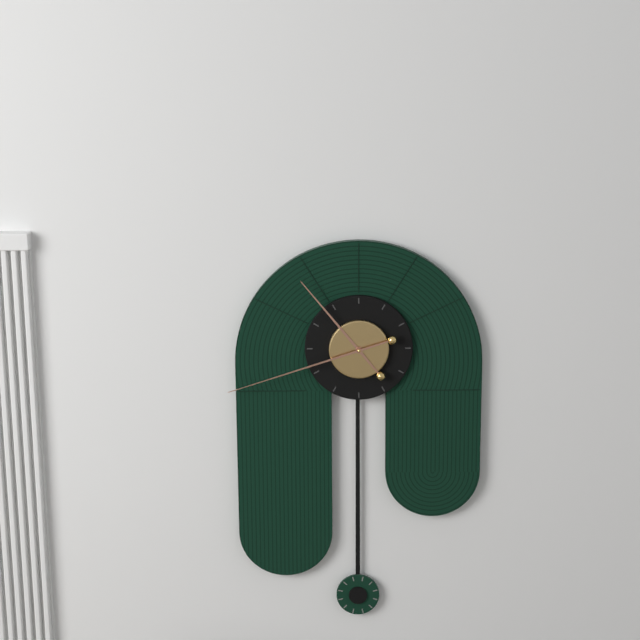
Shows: 10:42
